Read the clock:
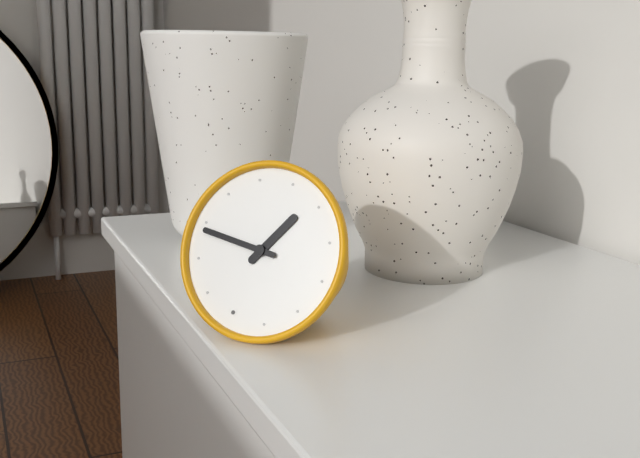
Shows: 12:44
